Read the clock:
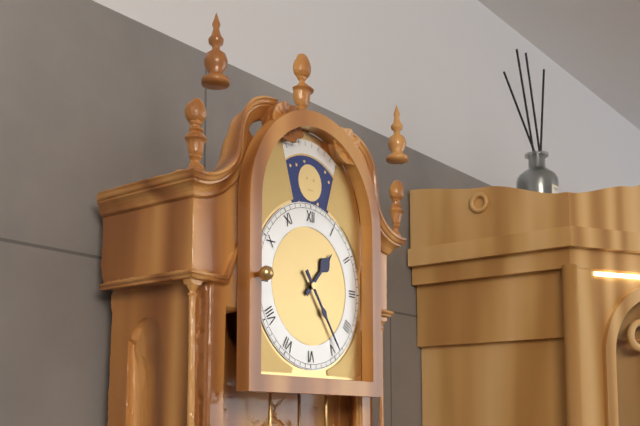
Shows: 1:24
